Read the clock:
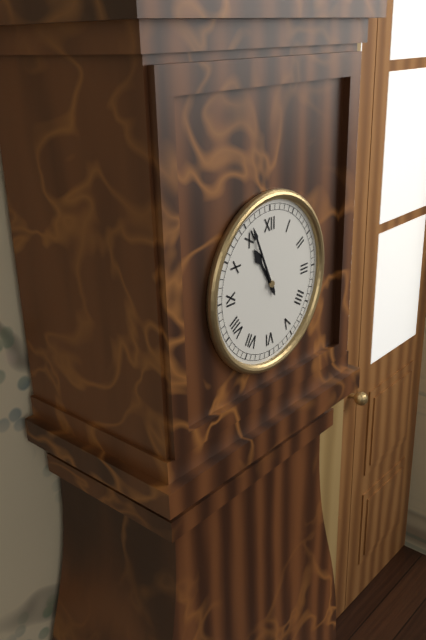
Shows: 10:56
